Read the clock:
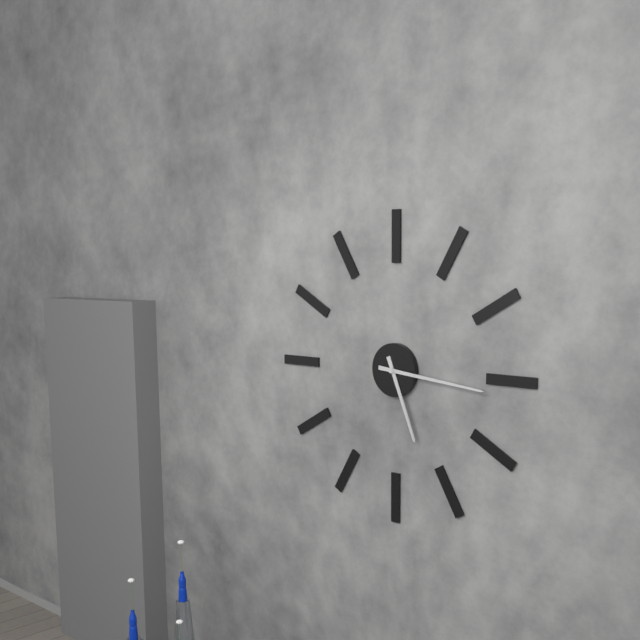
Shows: 5:16
